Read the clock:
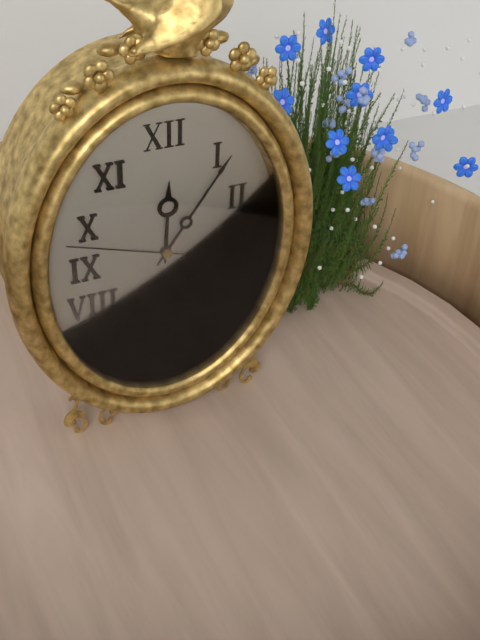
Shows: 12:06:48
